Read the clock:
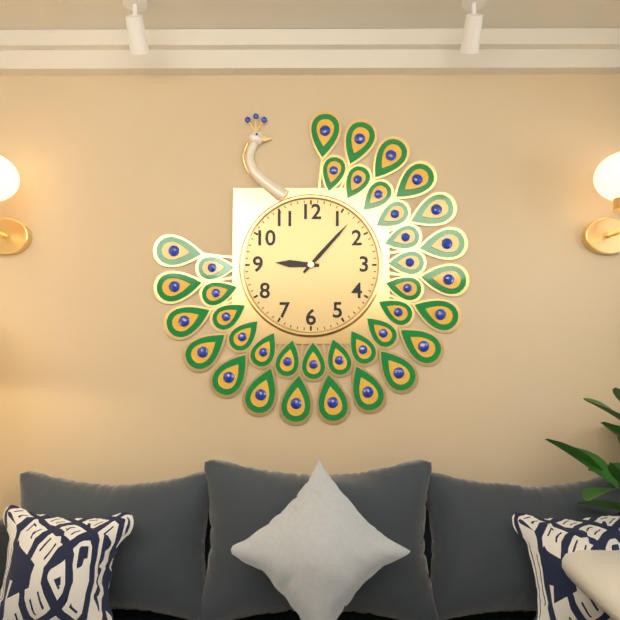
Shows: 9:07
